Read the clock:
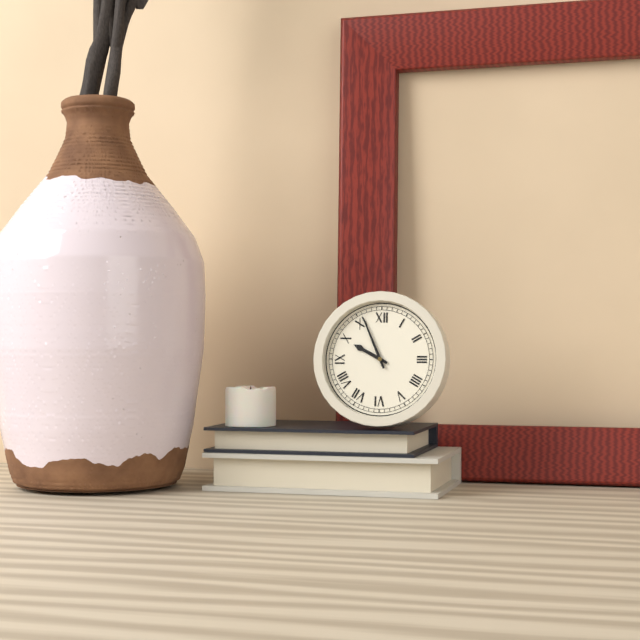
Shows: 9:56
